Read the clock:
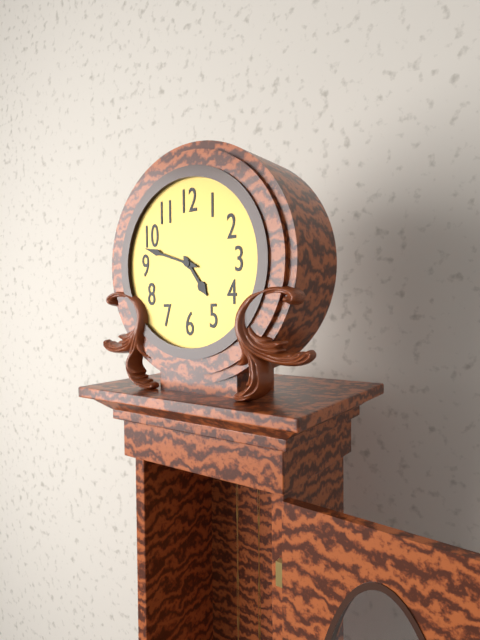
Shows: 4:48
